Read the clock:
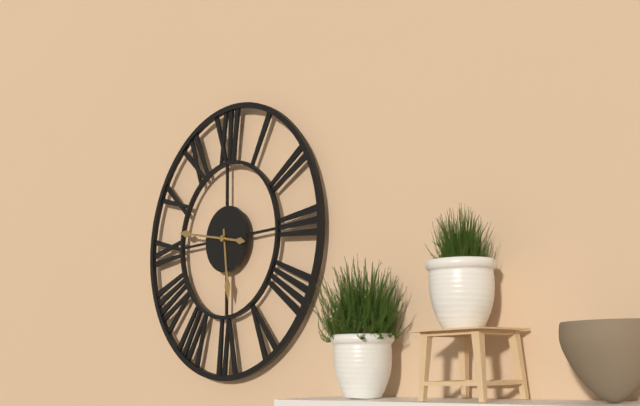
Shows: 5:47
